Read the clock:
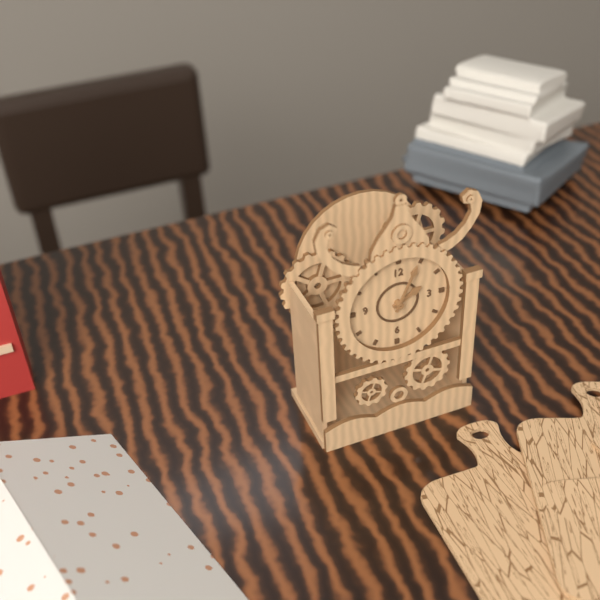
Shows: 2:04
